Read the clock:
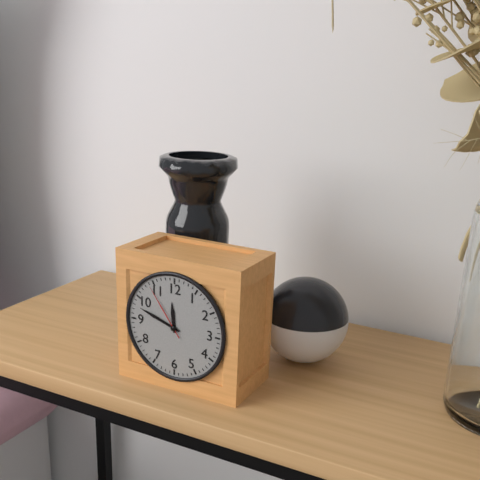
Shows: 11:48:54
